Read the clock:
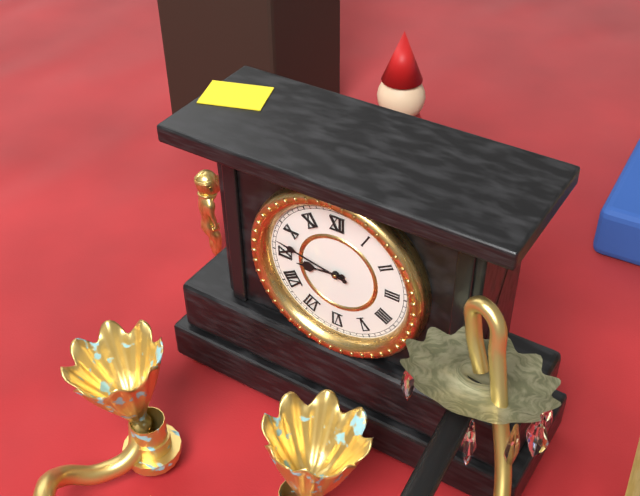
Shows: 8:47
